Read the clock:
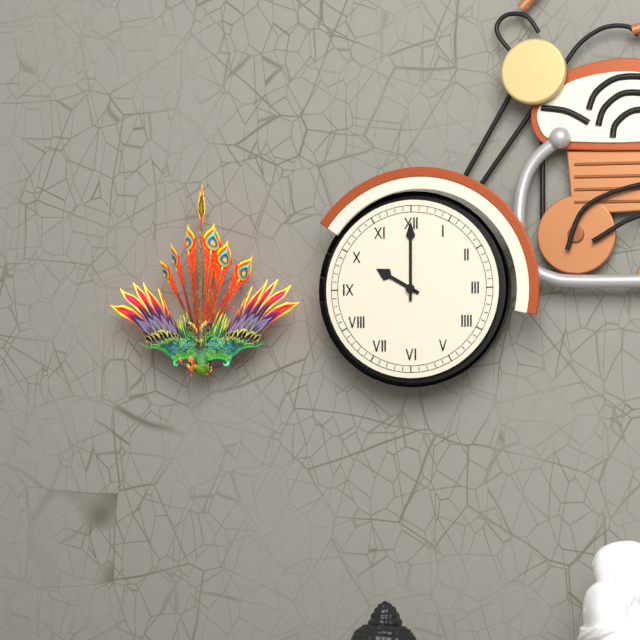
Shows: 10:00
